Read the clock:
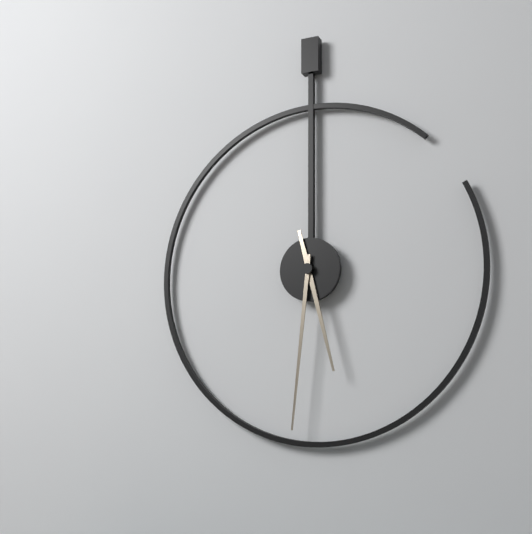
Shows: 5:31
